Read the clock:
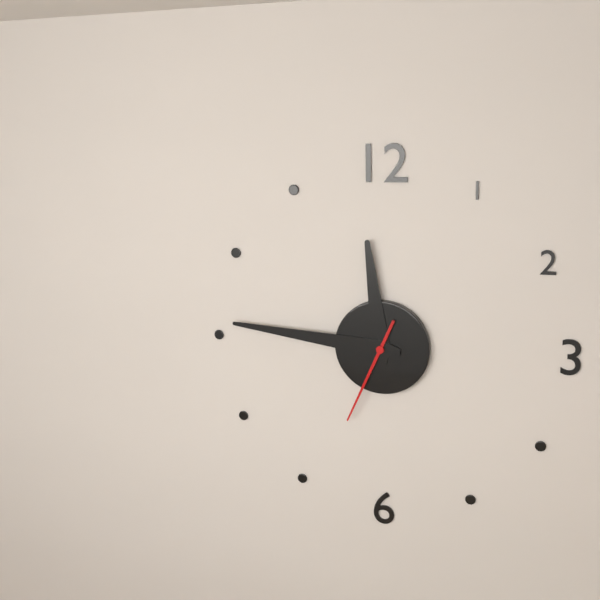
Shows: 11:46:34
